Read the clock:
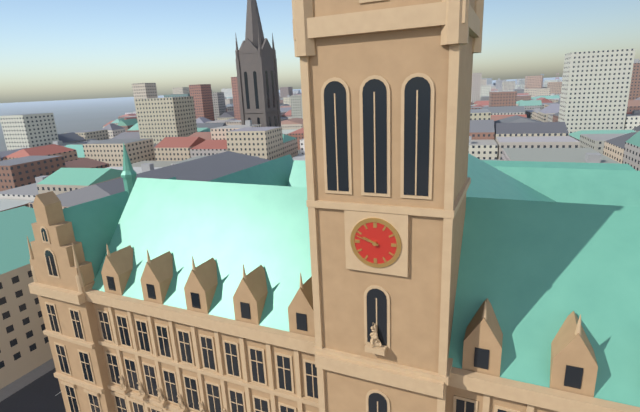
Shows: 9:48
